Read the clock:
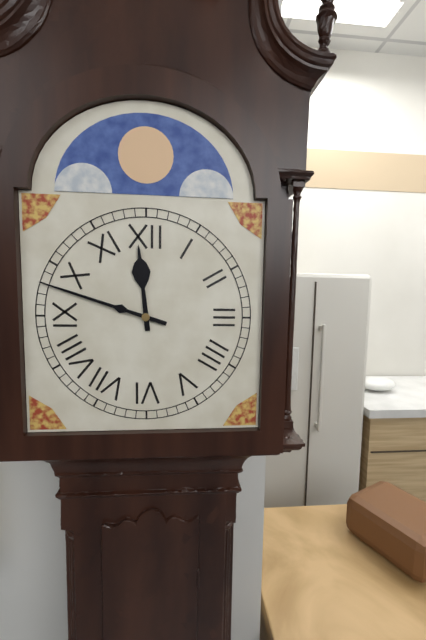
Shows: 11:48
